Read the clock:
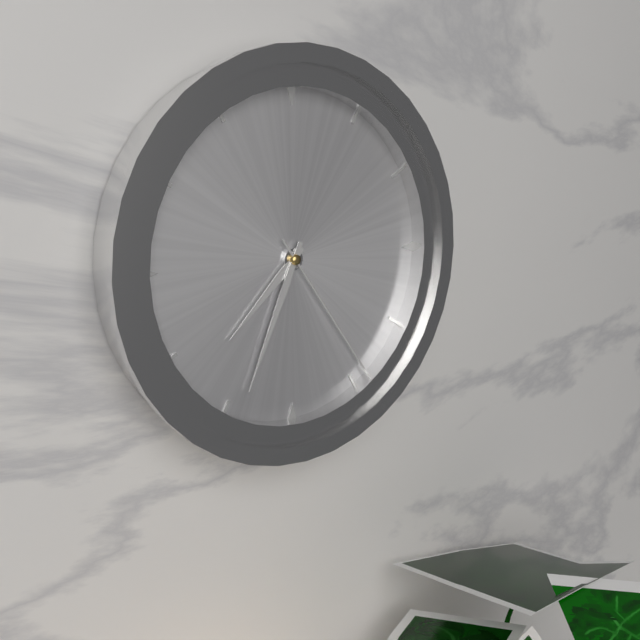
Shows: 7:34:24
